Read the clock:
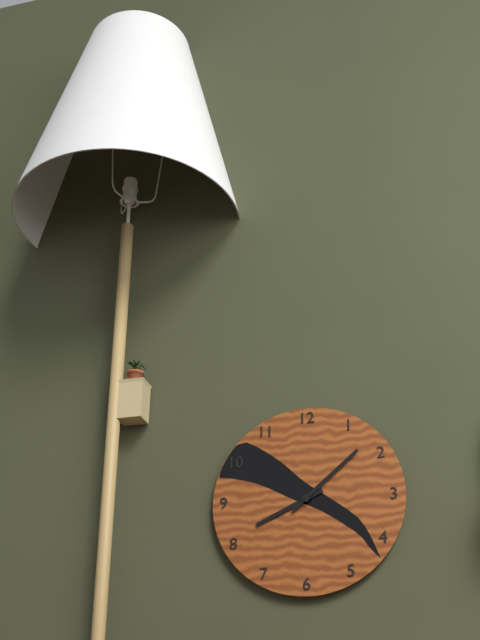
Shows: 8:08
